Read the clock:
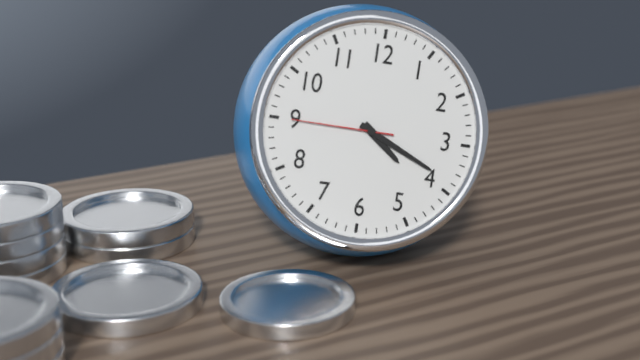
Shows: 4:19:45
